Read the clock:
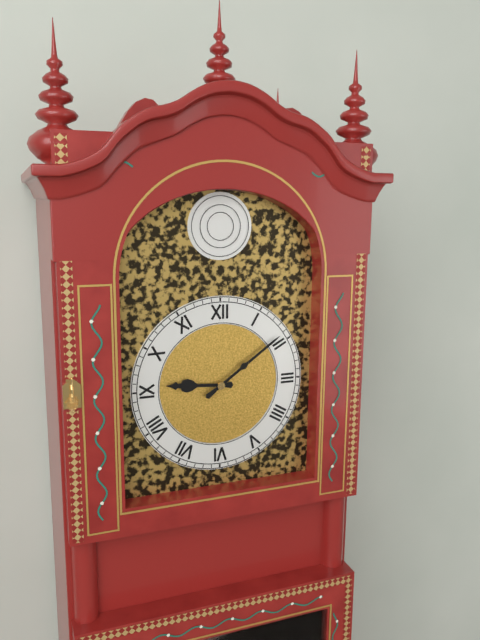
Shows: 9:09
